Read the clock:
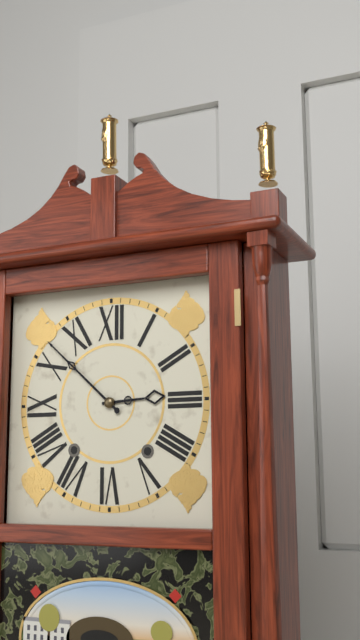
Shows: 2:52
